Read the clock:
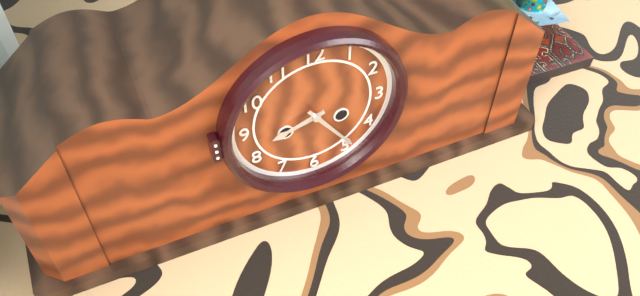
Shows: 8:24
